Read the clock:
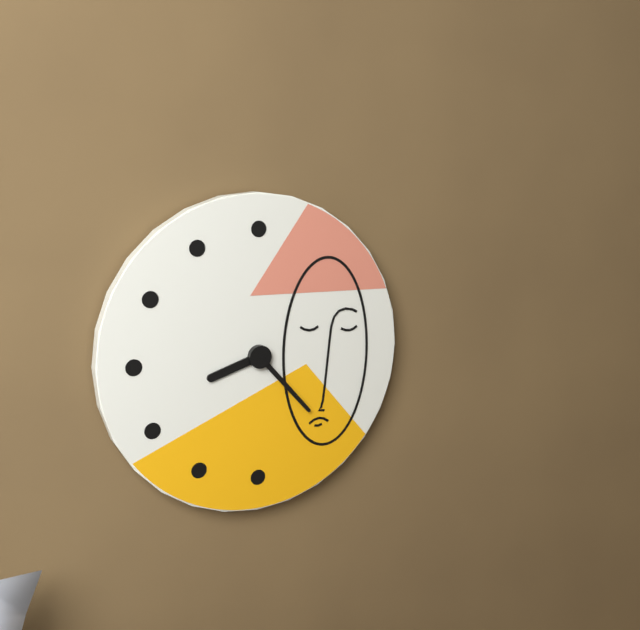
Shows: 8:23
